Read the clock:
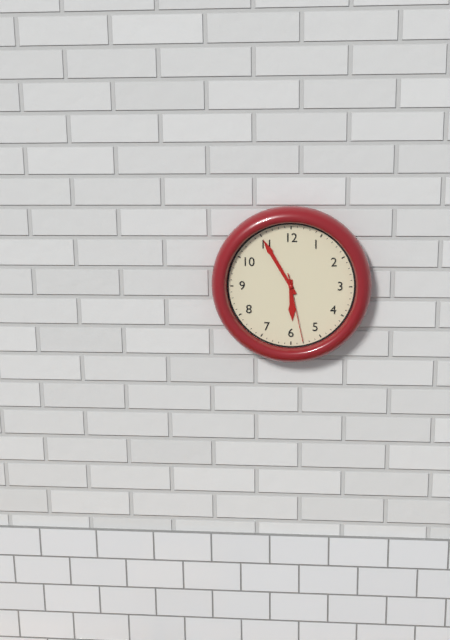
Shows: 5:55:28
